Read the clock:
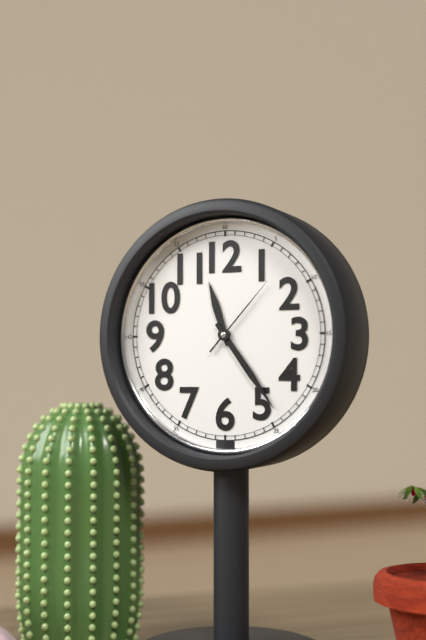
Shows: 11:24:07
